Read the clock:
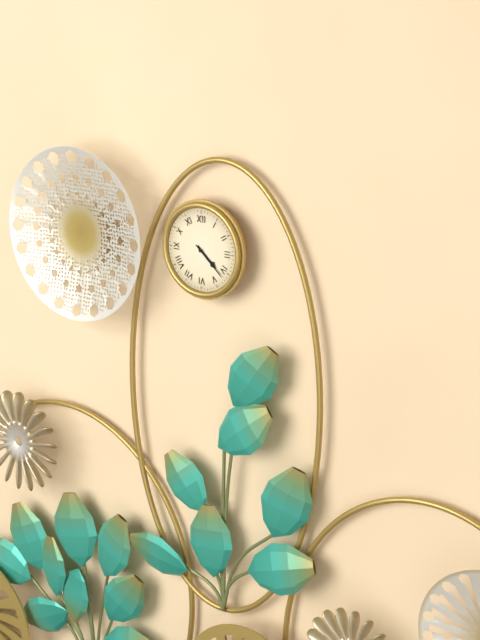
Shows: 4:22
